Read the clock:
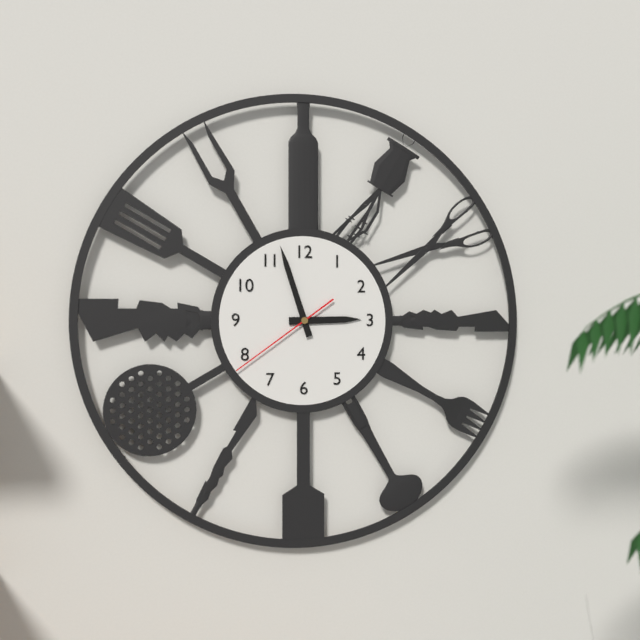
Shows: 2:57:39
